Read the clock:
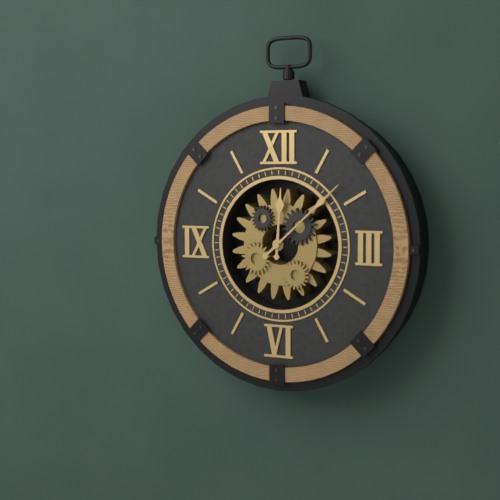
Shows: 12:08
